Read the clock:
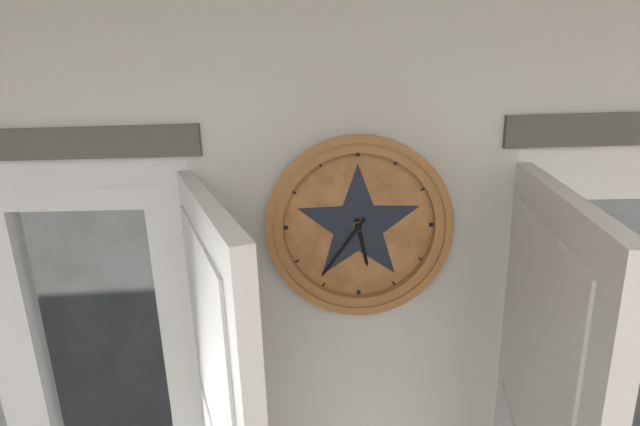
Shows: 5:36
